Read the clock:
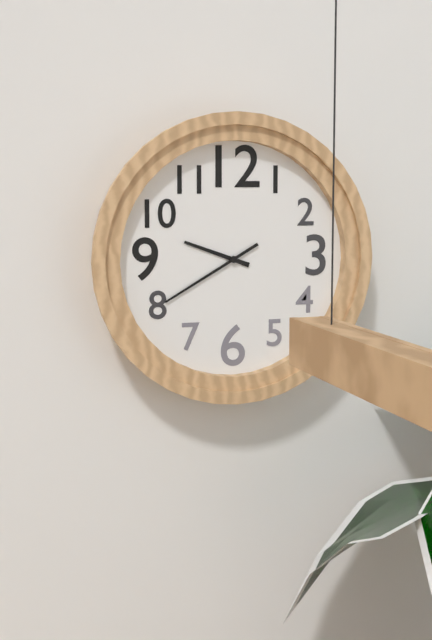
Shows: 9:40
